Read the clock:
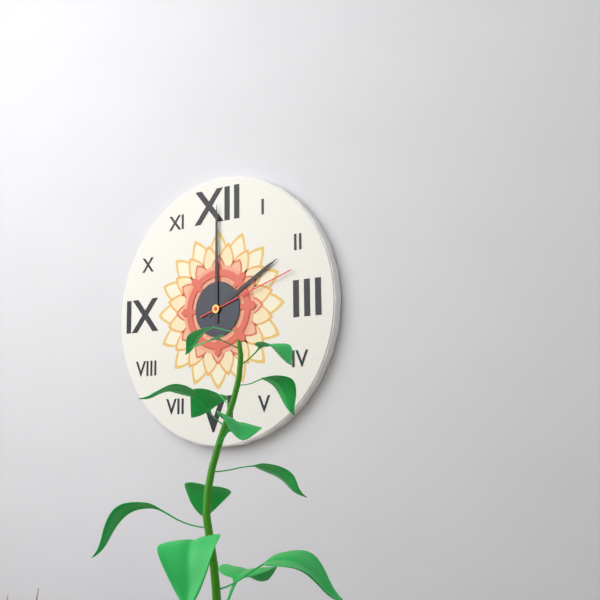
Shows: 2:00:12
